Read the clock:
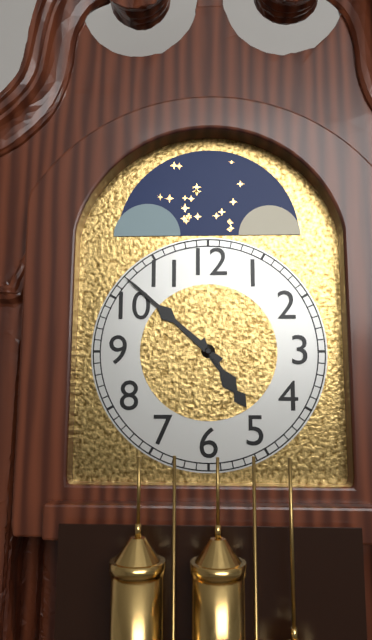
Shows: 4:52
